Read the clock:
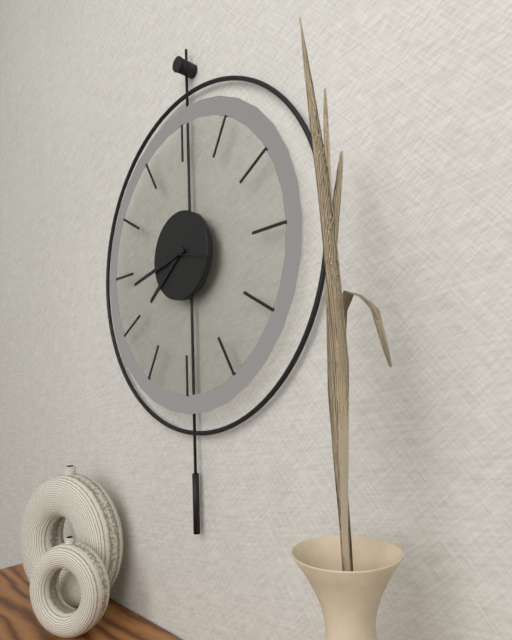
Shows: 7:43
